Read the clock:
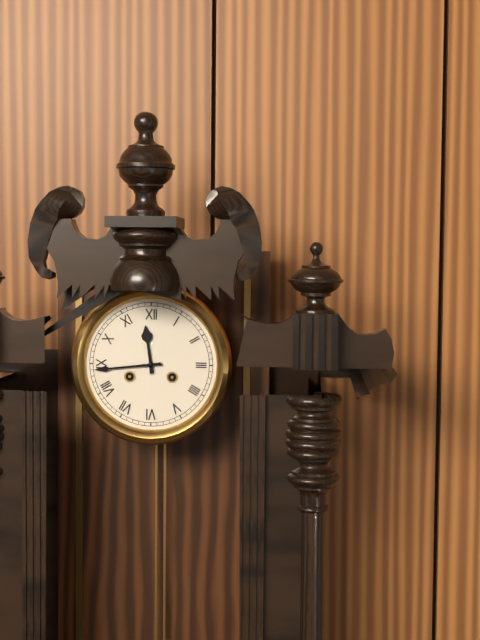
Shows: 11:44
